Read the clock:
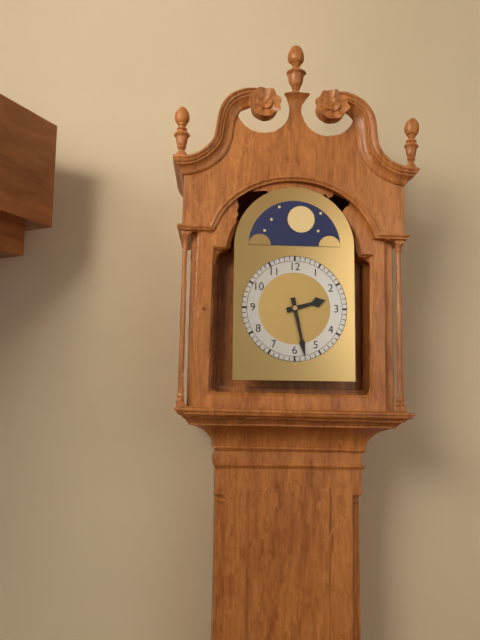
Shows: 2:28
